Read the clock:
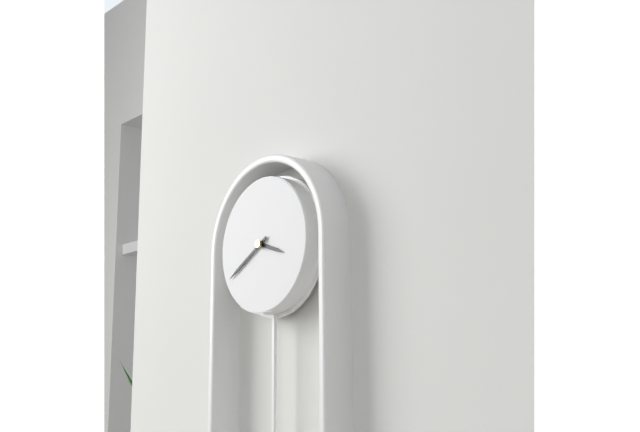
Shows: 3:40
